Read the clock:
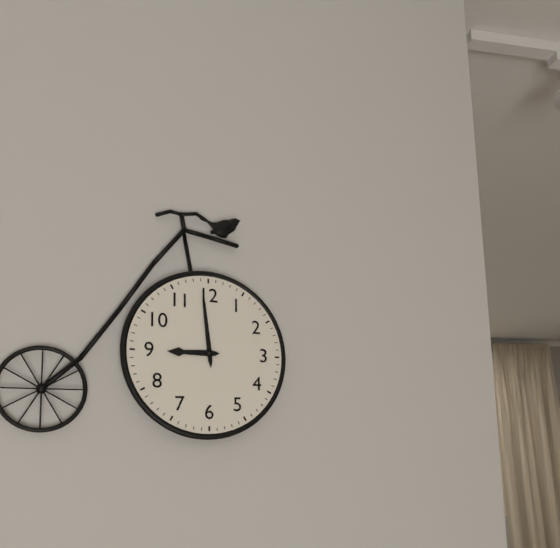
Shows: 8:59
